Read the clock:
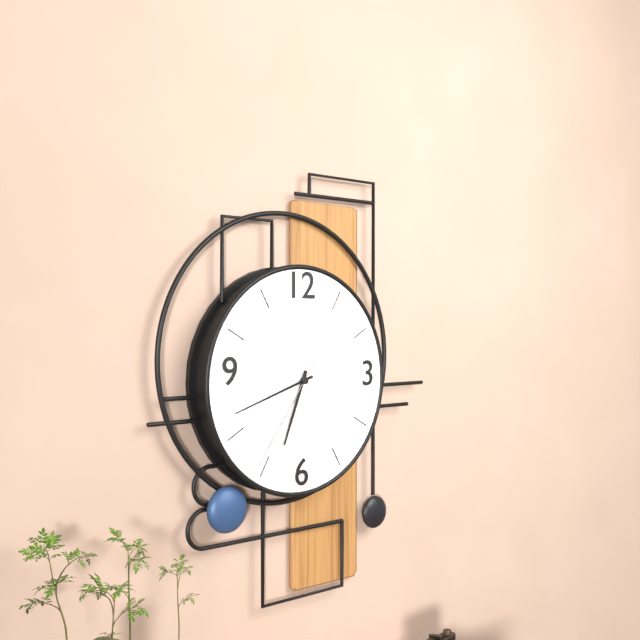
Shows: 6:42:36
